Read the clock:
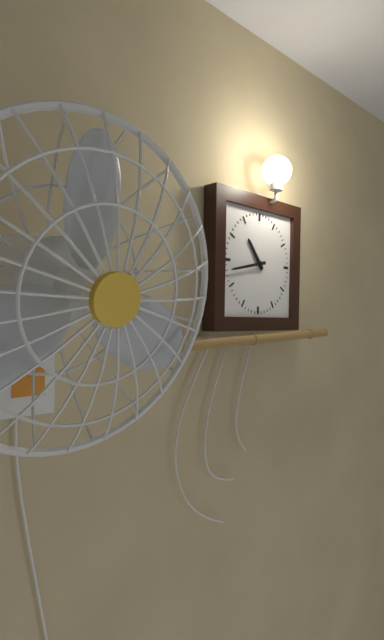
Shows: 10:43
